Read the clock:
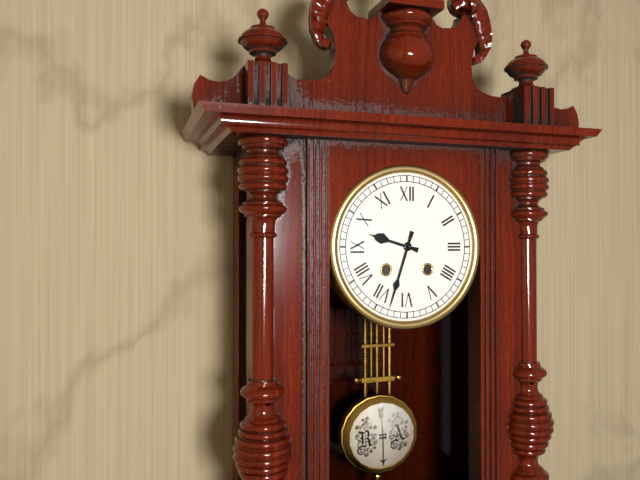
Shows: 9:33
